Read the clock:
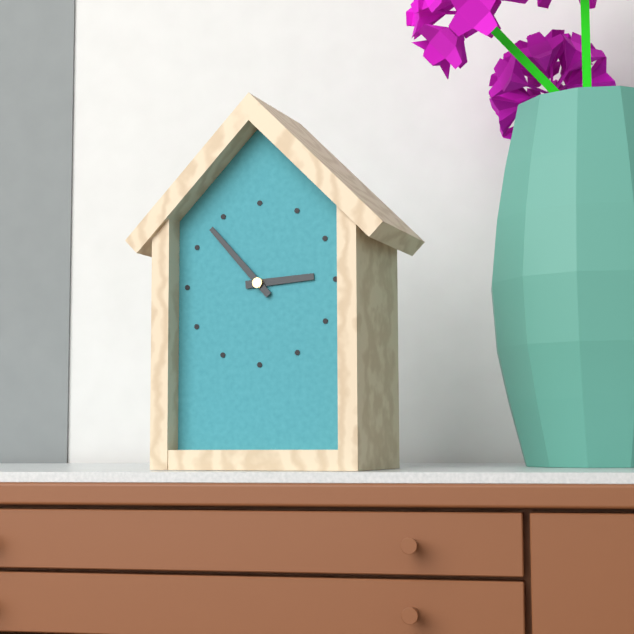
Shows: 2:53
